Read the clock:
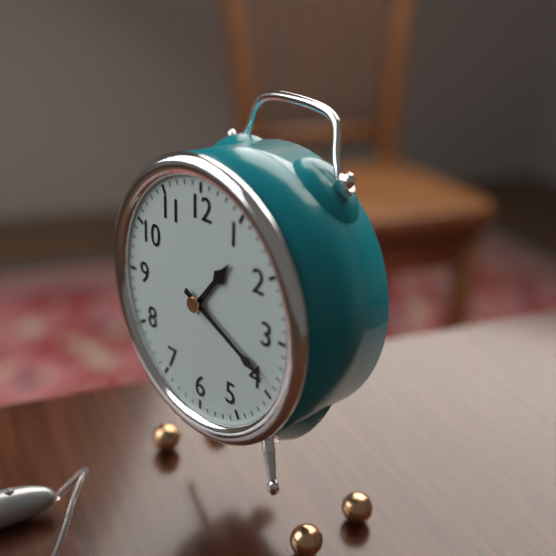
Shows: 1:19
